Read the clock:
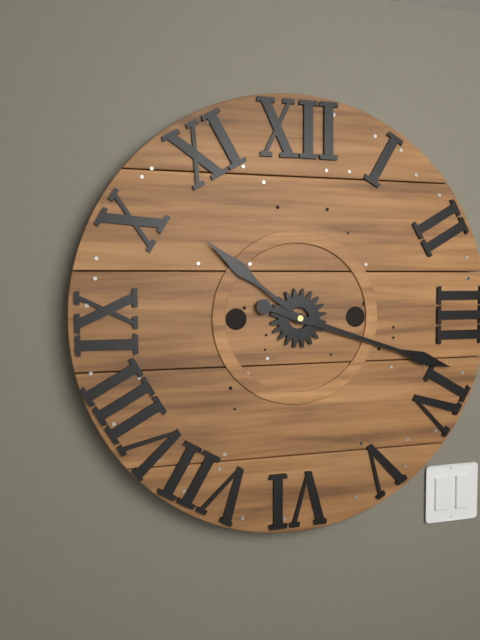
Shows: 10:18
